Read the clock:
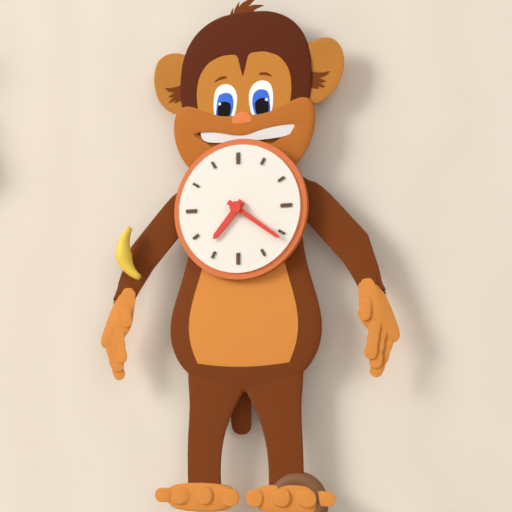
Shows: 7:21
